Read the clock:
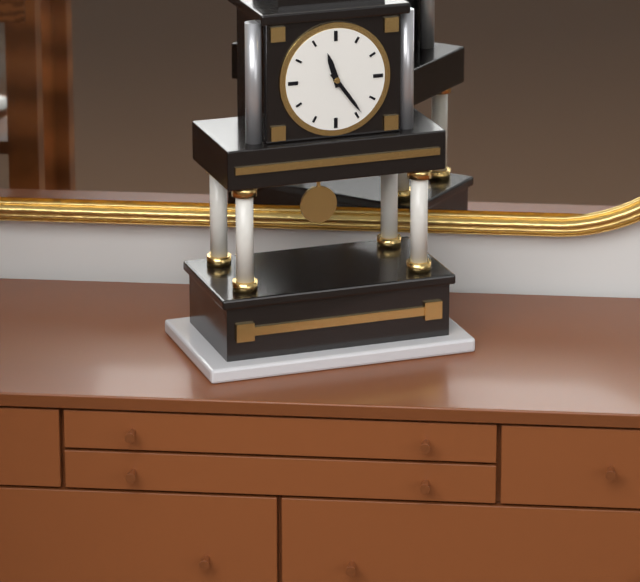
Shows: 11:24
